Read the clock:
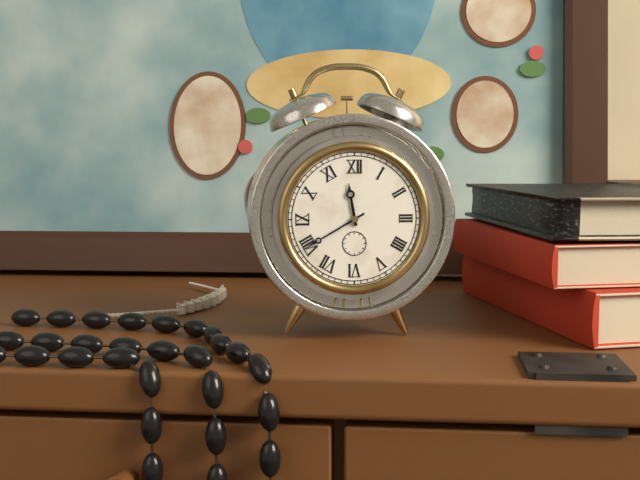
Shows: 11:40
